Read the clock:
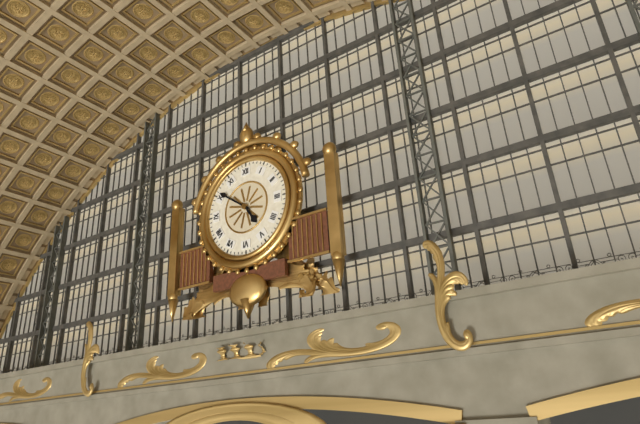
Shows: 4:51
